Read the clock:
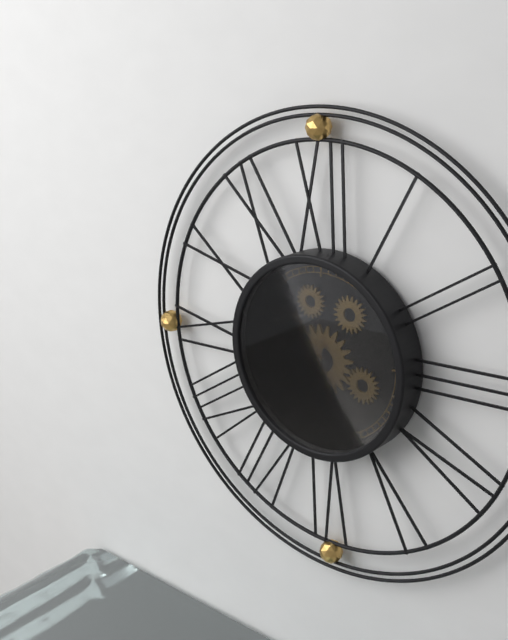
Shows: 6:28
